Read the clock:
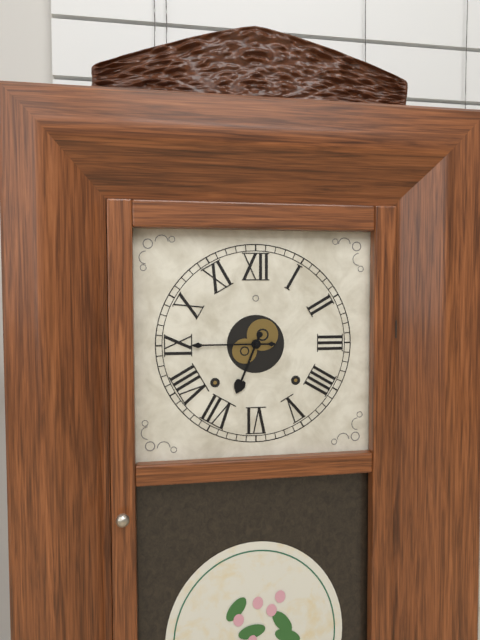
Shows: 6:45
